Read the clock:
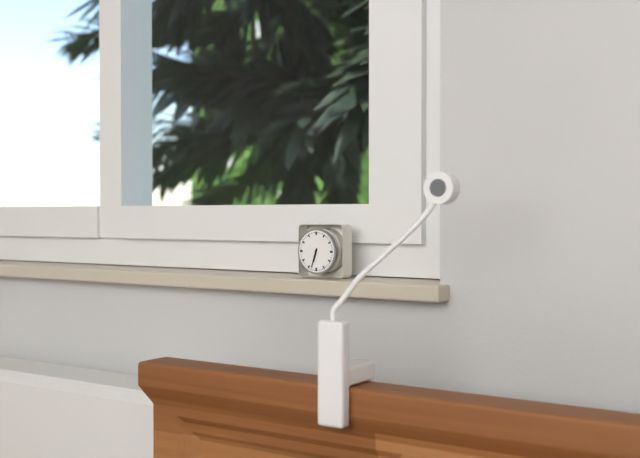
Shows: 6:33
